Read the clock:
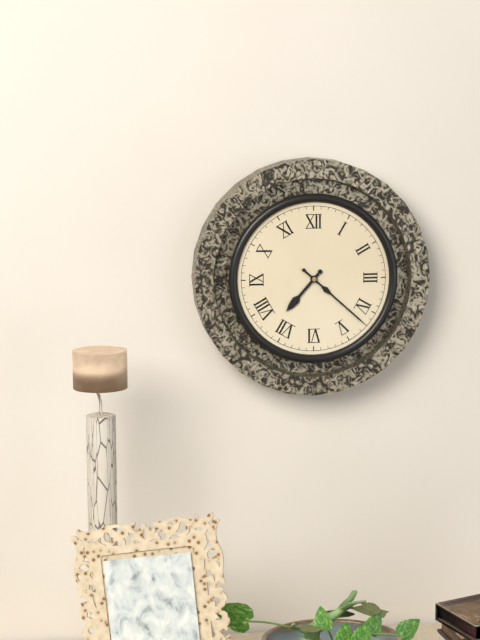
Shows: 7:22
